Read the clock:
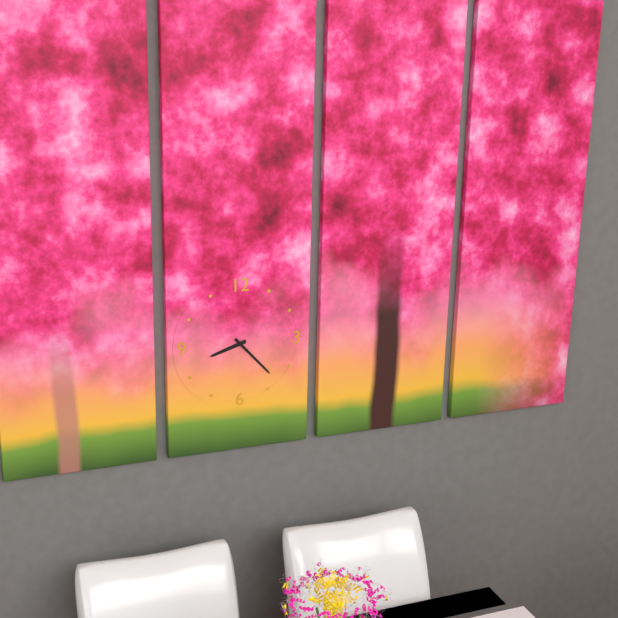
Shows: 8:23
